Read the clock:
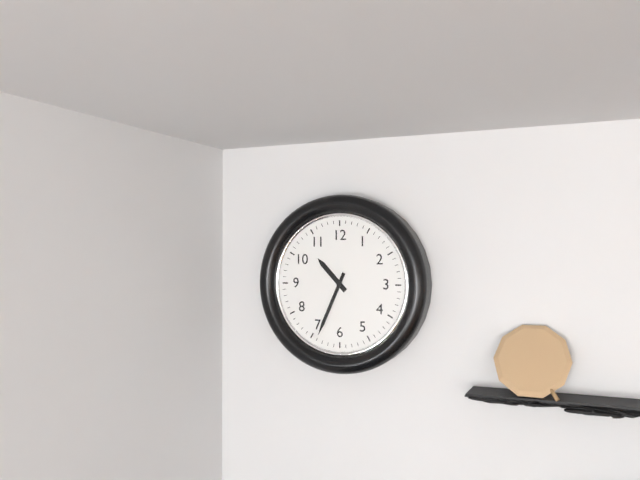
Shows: 10:34
